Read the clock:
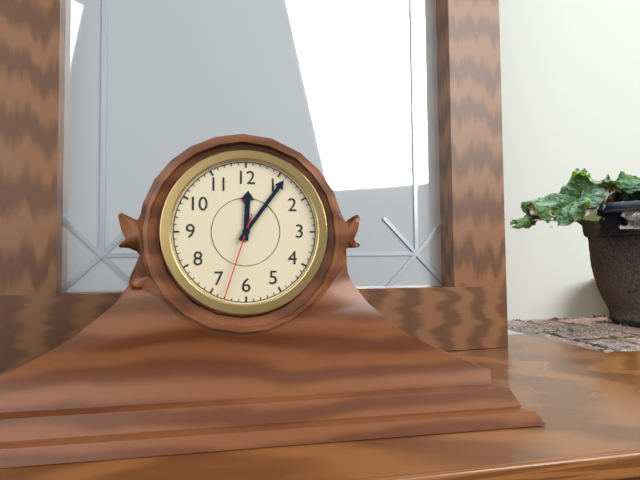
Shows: 12:06:33
